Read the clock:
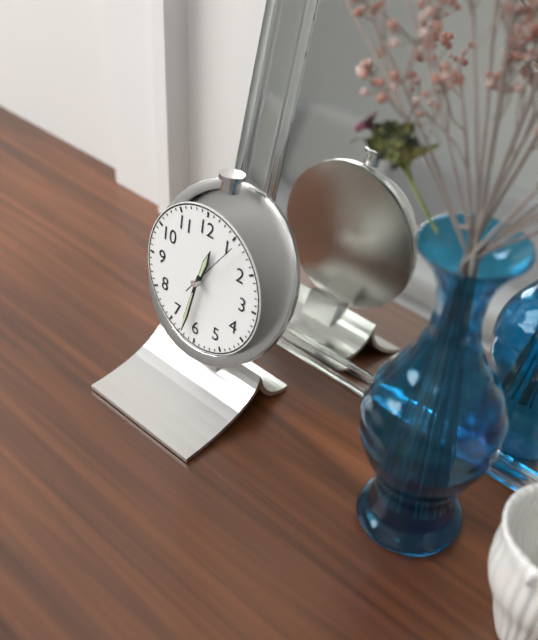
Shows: 12:32:06
